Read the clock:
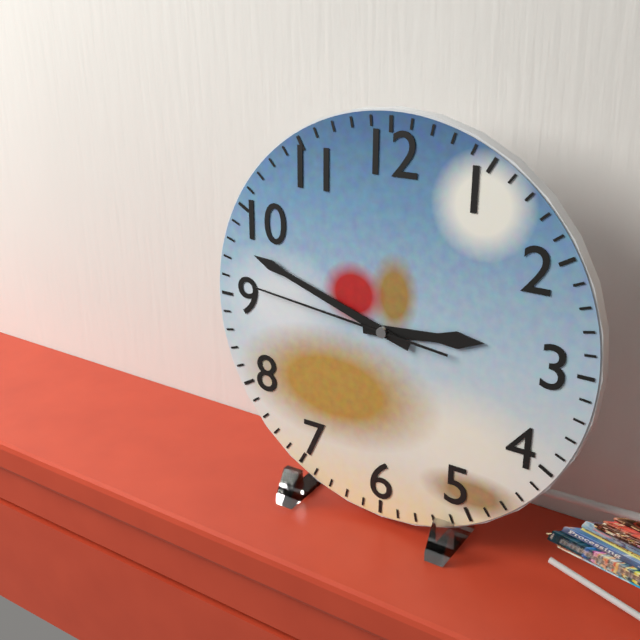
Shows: 2:48:46
